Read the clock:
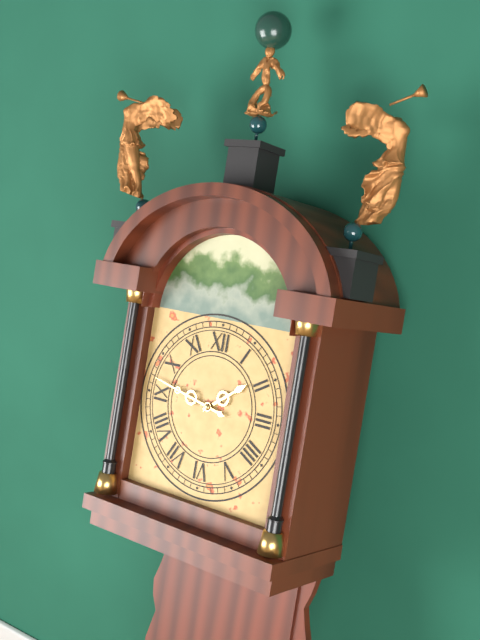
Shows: 1:47
